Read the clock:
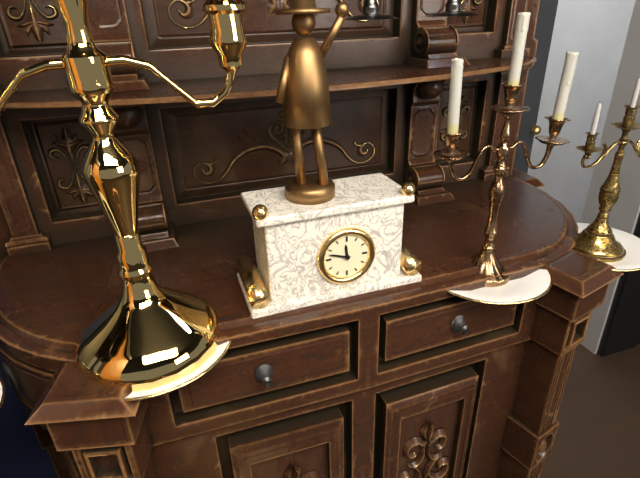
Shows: 11:48
